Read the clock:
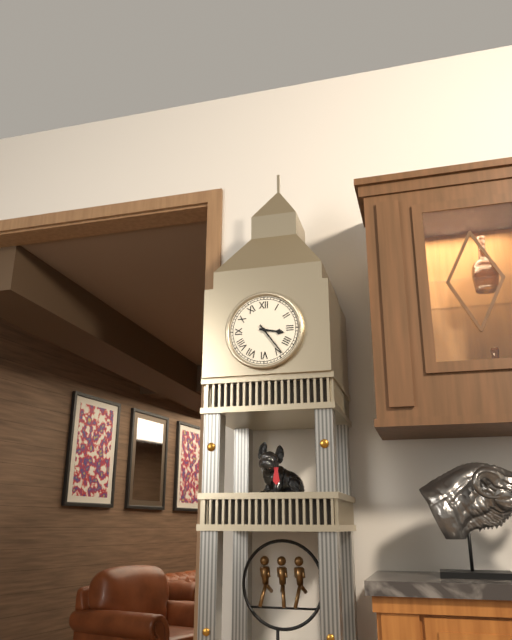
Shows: 3:24
